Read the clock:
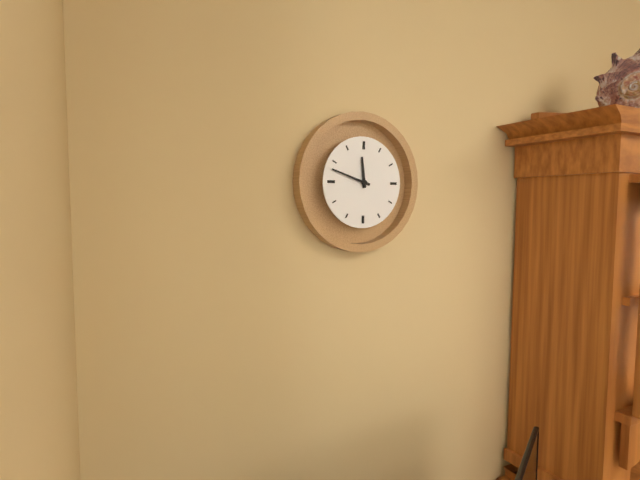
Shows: 11:48
